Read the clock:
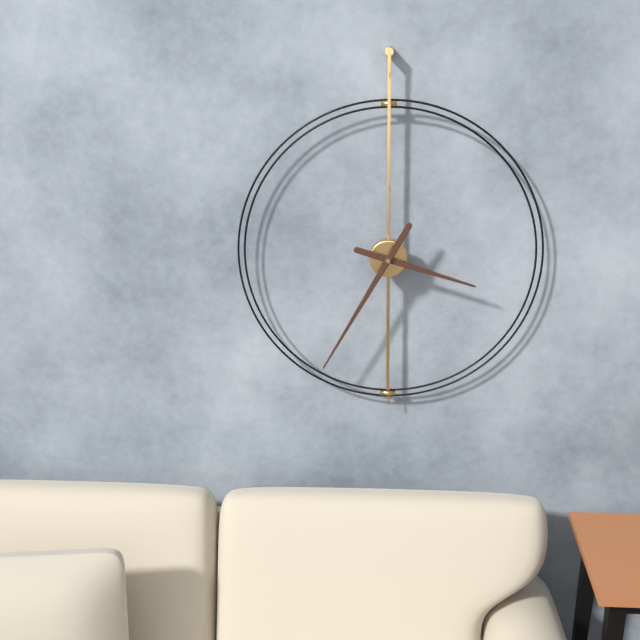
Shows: 3:35
